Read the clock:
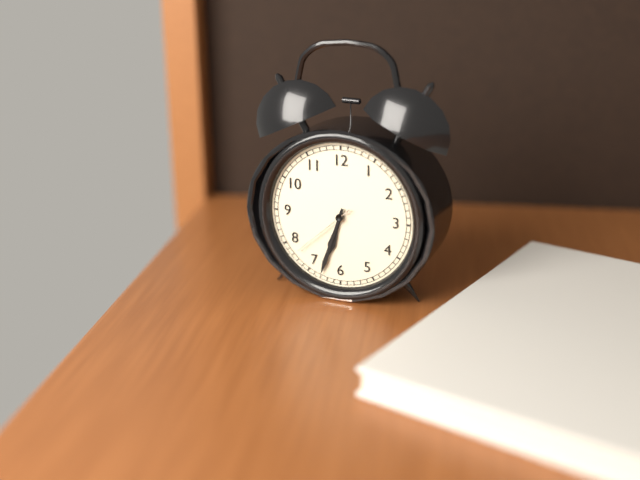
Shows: 6:33:38
